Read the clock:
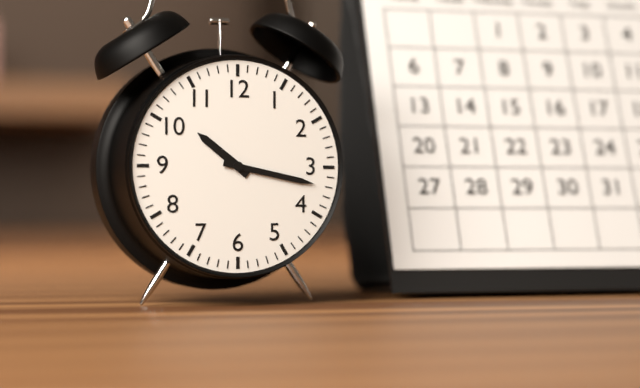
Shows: 10:17
